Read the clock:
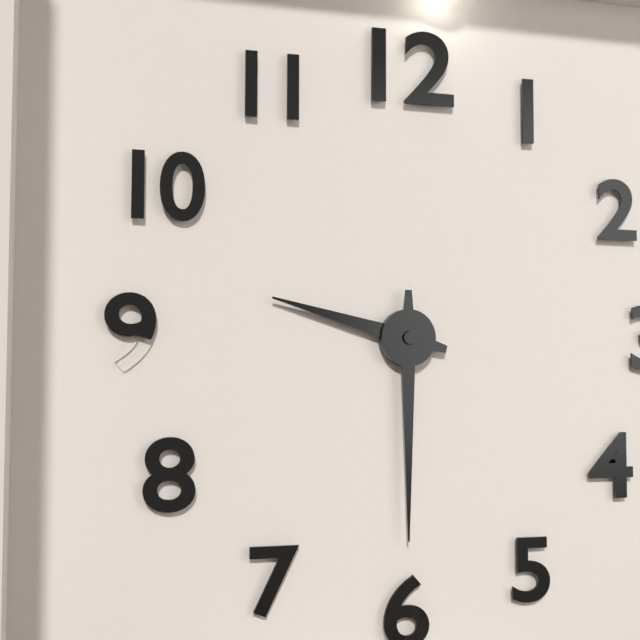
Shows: 9:30
